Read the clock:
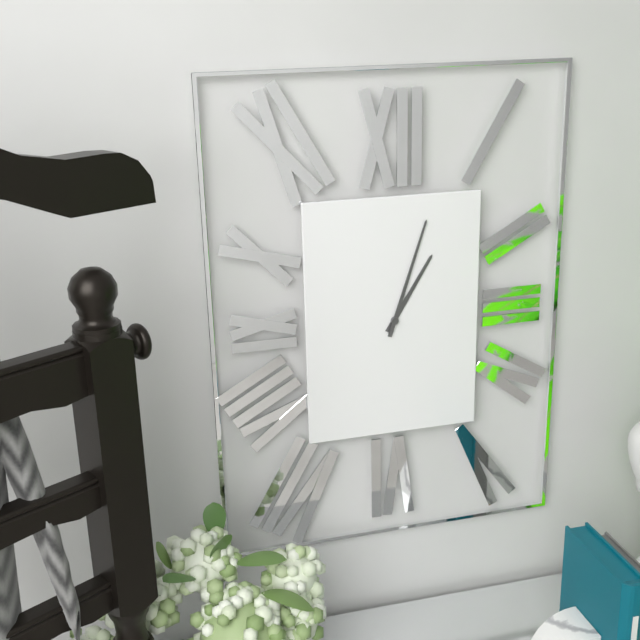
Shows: 1:03
